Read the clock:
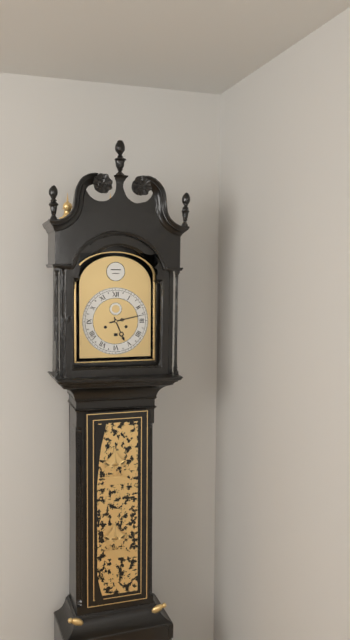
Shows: 5:13
